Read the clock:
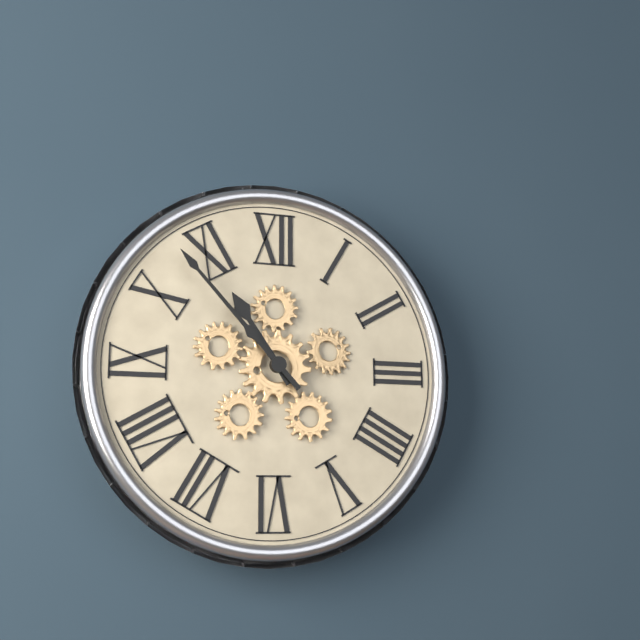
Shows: 10:53
